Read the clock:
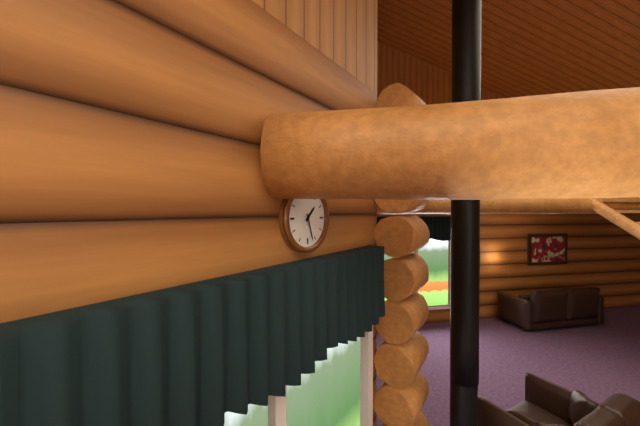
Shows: 1:27
